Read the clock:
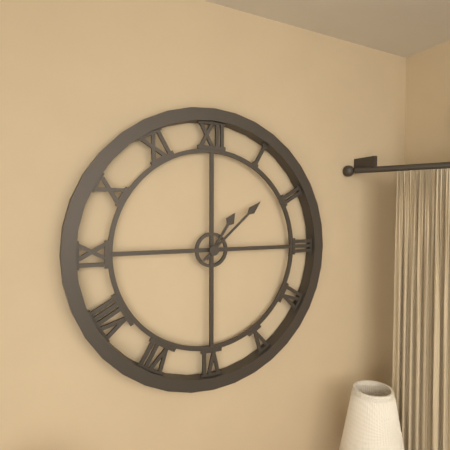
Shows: 1:08
